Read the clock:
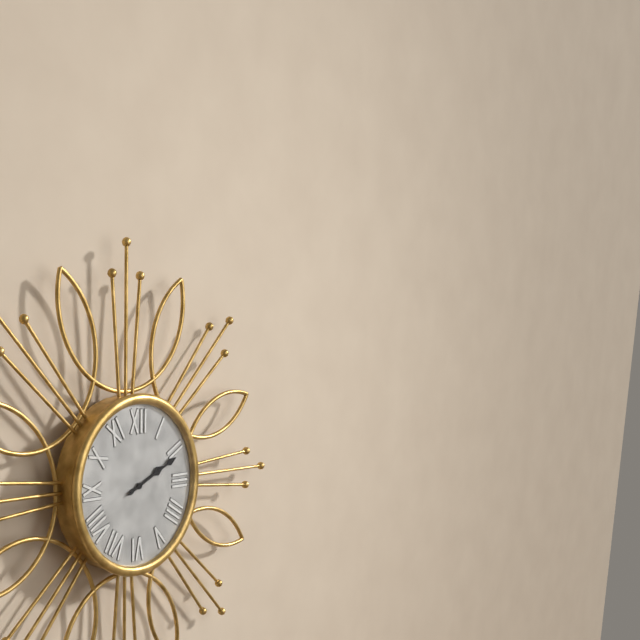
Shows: 2:11
